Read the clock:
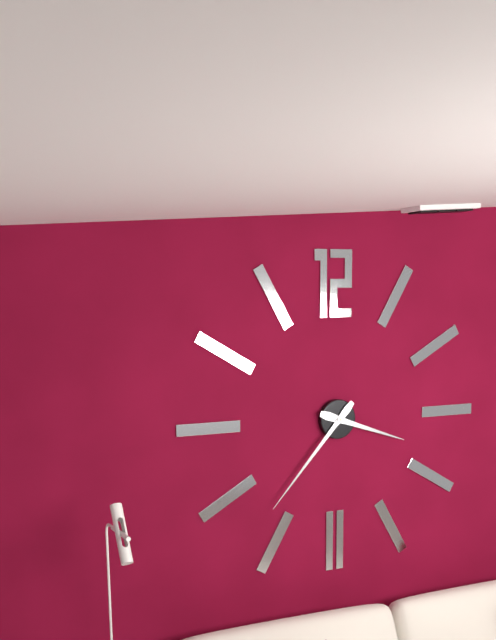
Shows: 3:37
